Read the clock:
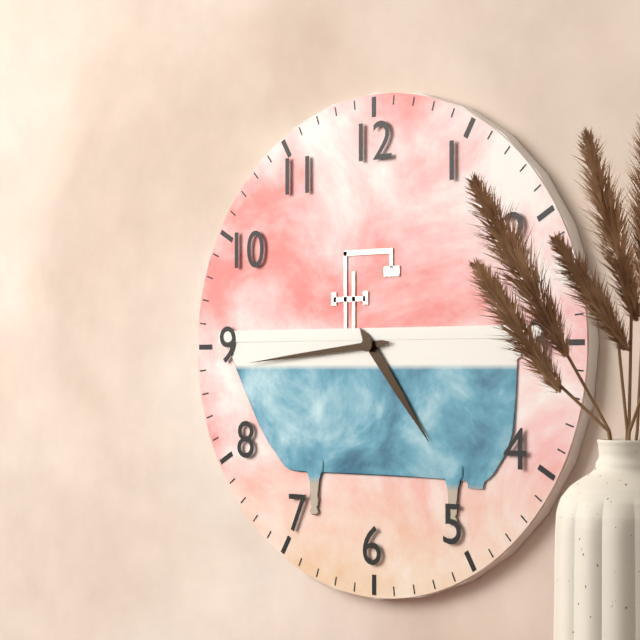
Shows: 4:44
